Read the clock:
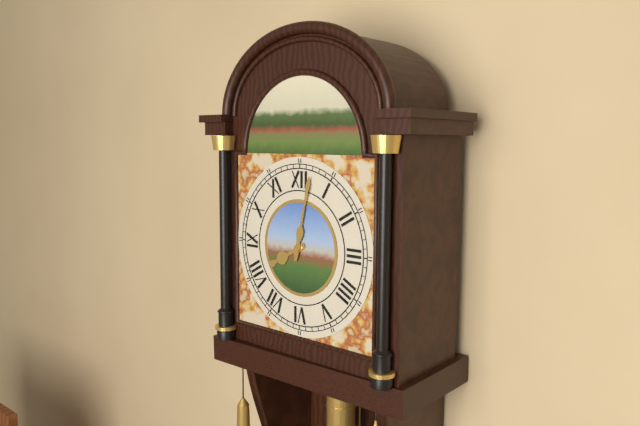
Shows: 8:02
